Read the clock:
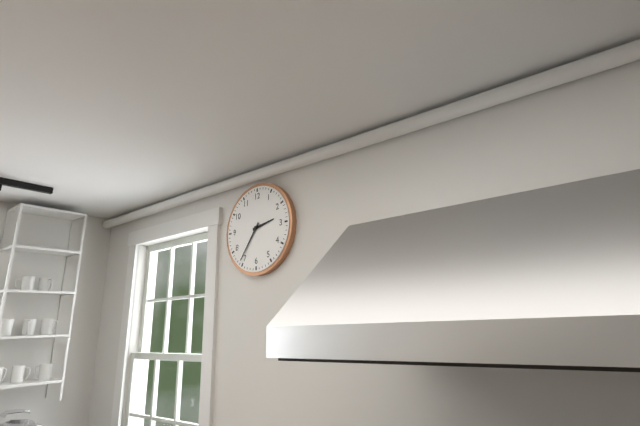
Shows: 2:36
